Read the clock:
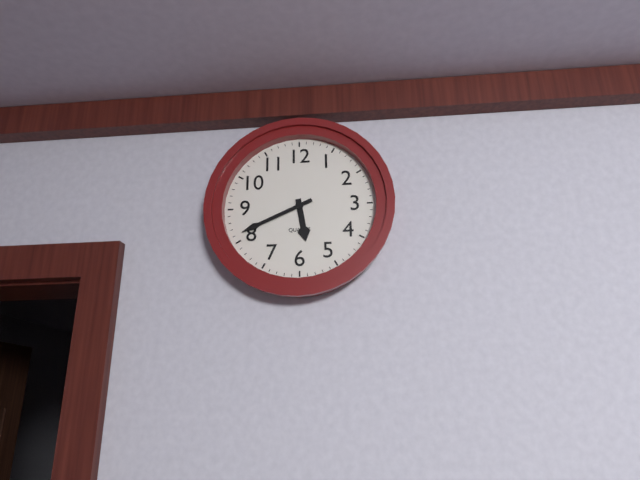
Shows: 5:41
